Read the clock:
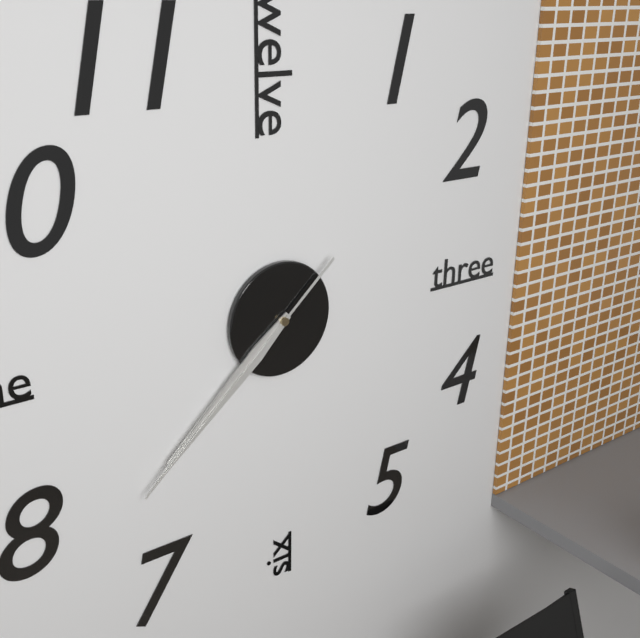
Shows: 7:38:38
